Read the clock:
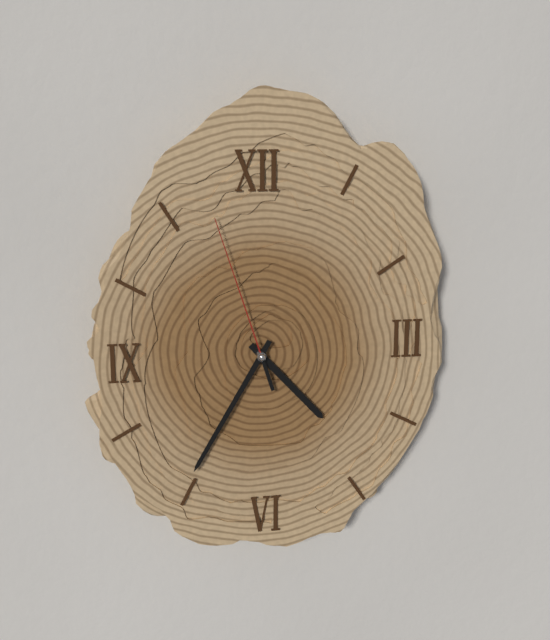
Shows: 4:35:57
